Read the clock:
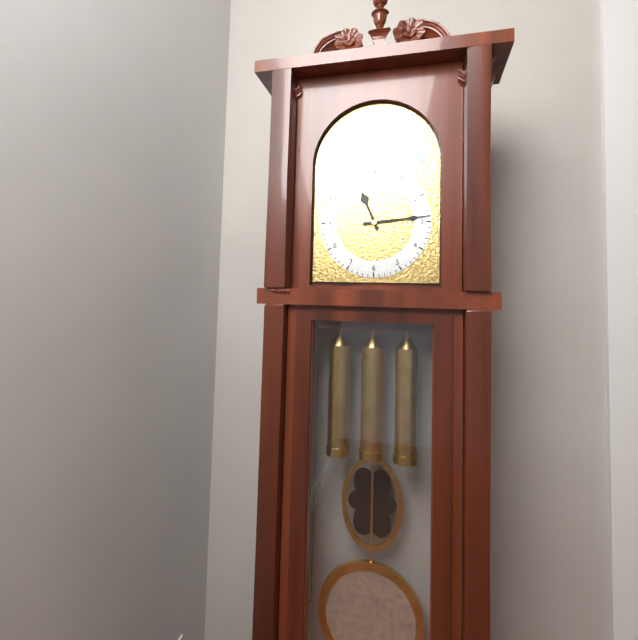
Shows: 11:14
